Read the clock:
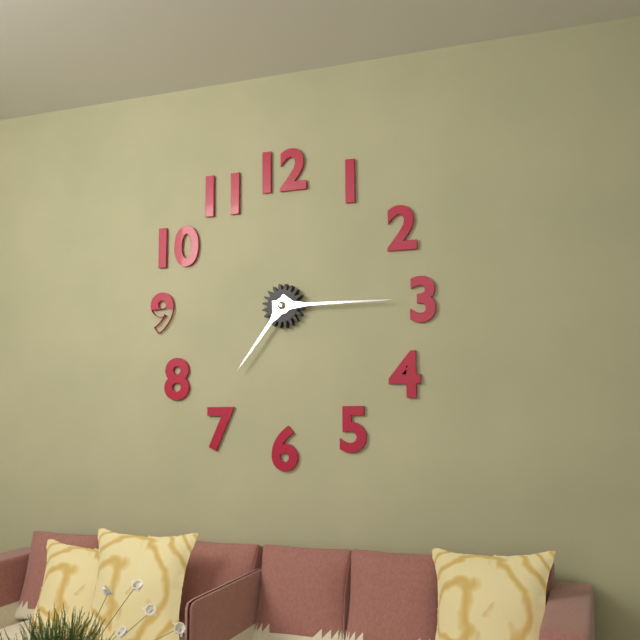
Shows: 7:15
